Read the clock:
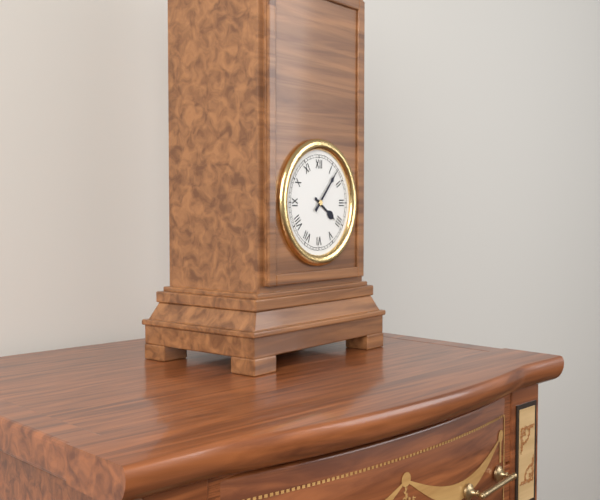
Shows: 4:07
